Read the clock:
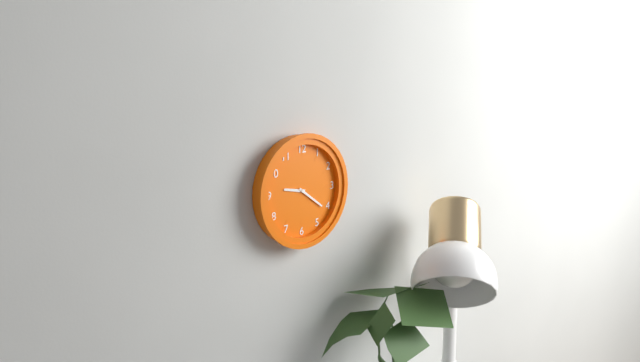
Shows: 9:21
